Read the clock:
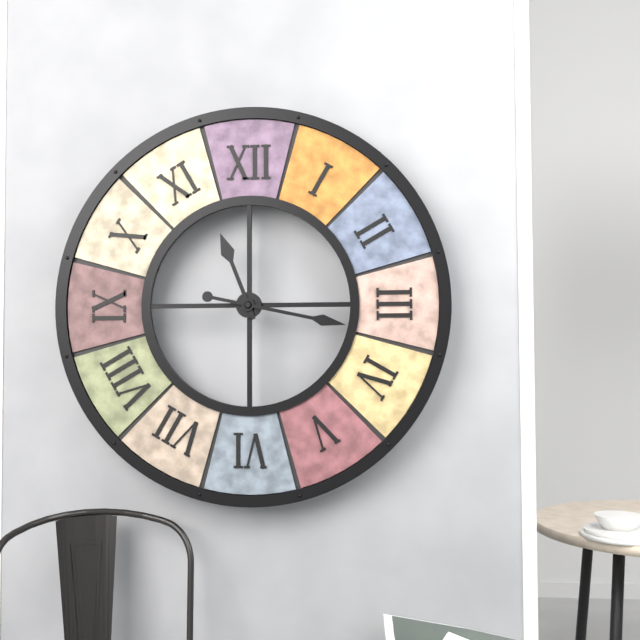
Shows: 11:17
